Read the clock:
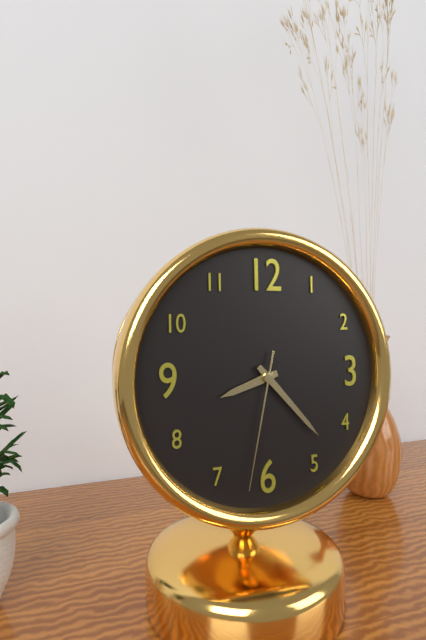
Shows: 8:23:32
